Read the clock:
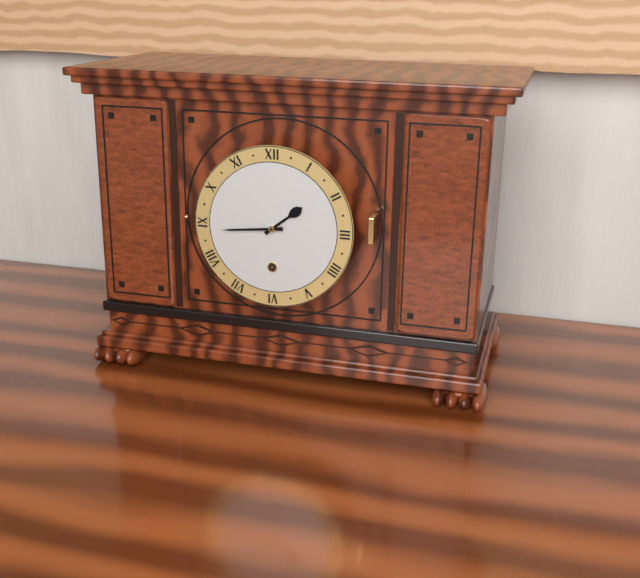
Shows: 1:44
